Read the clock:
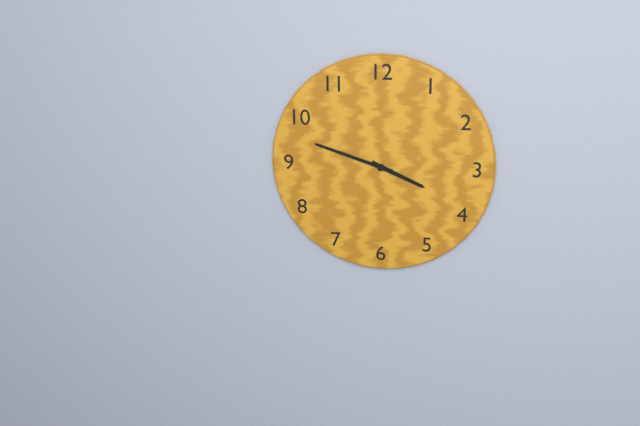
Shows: 3:48
